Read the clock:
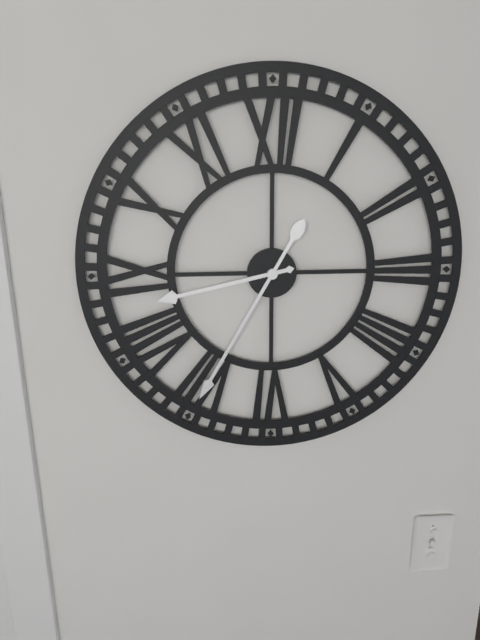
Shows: 8:35
